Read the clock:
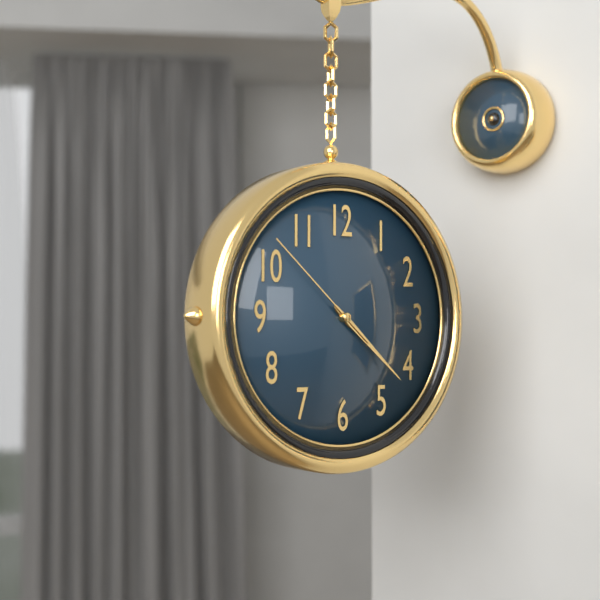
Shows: 4:22:52
